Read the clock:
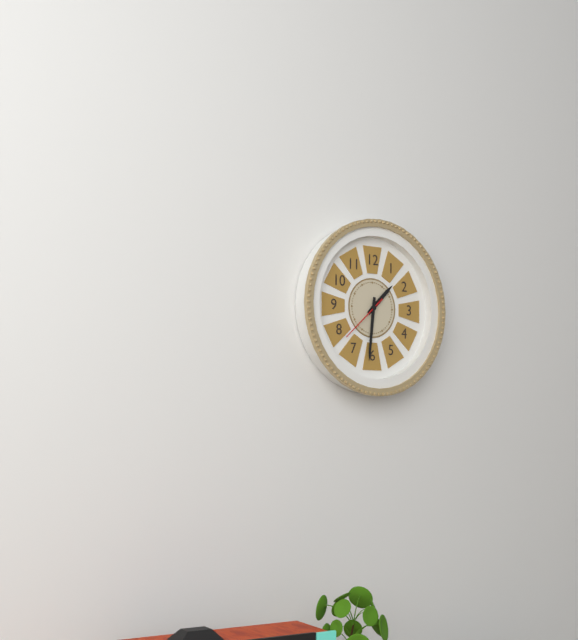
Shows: 1:31:38
